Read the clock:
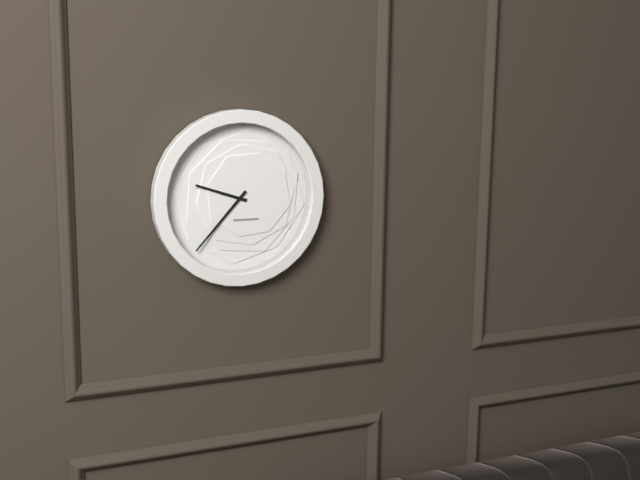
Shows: 9:37
